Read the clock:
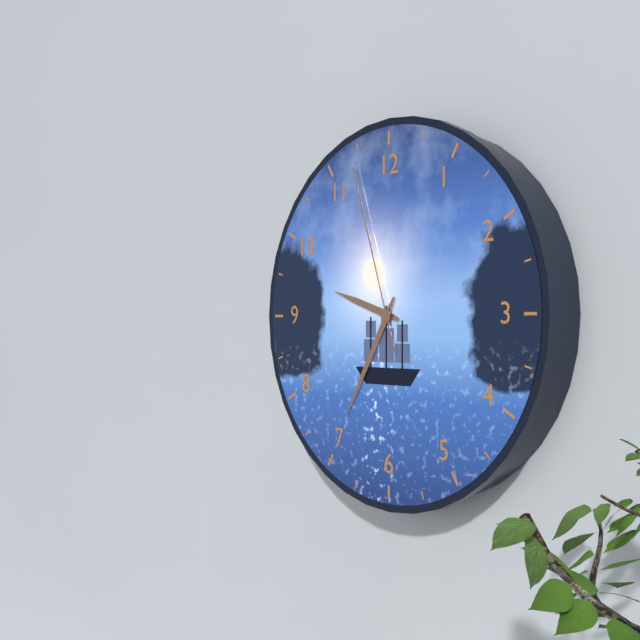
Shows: 9:35:57
